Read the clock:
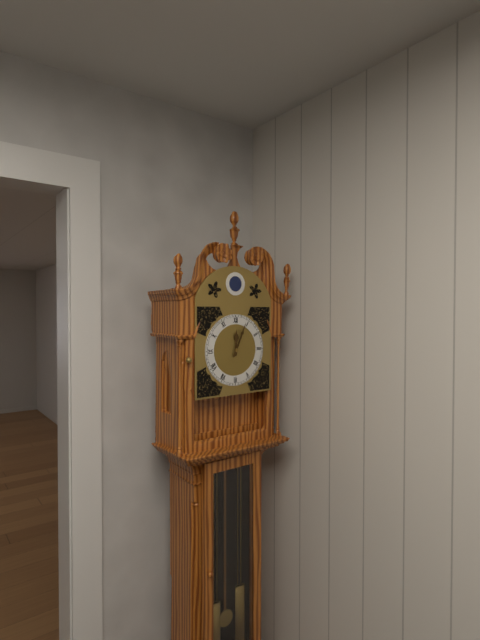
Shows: 12:04
